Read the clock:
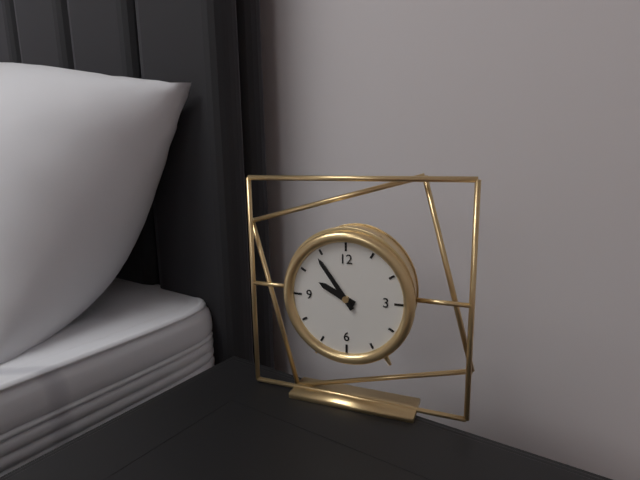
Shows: 9:54
